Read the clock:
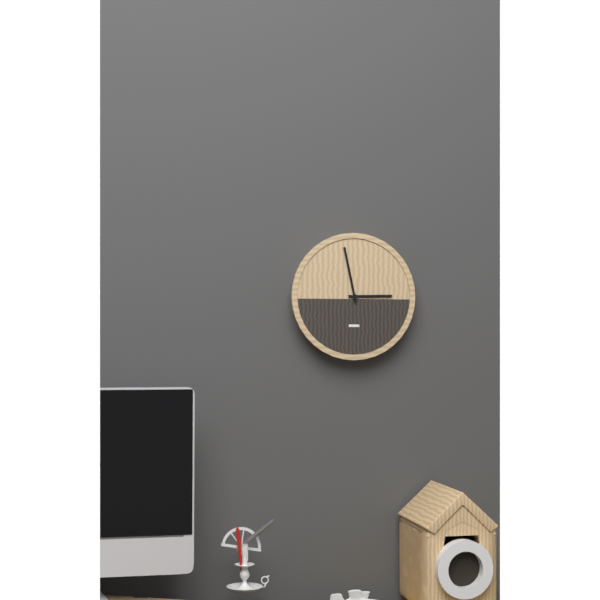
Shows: 2:58
